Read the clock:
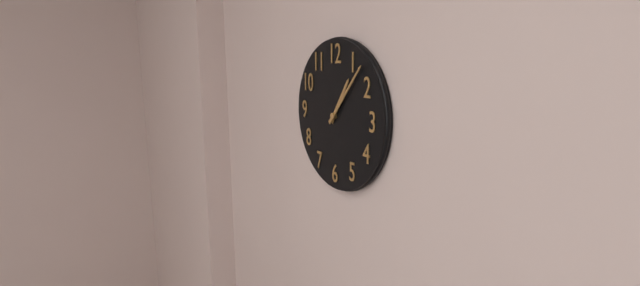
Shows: 1:07
